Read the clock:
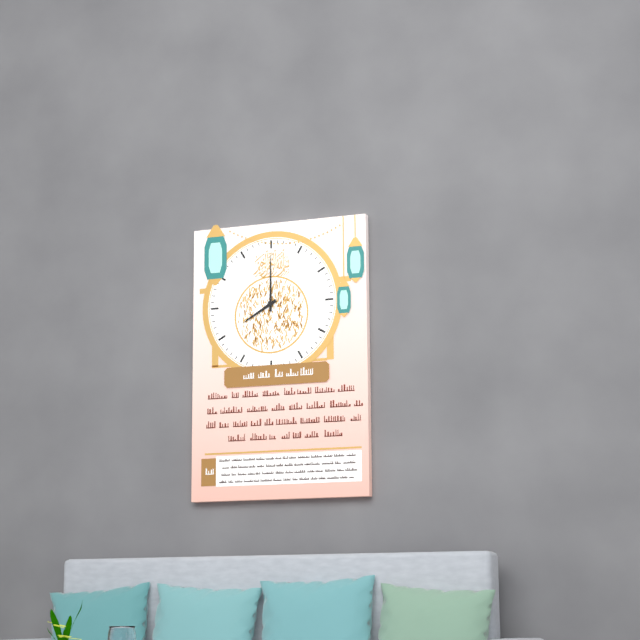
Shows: 8:00
